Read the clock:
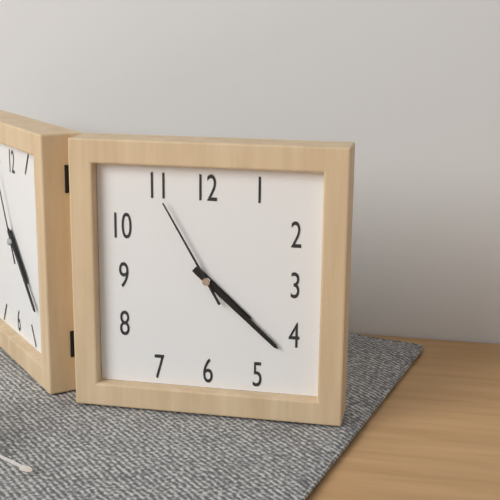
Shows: 4:22:55
